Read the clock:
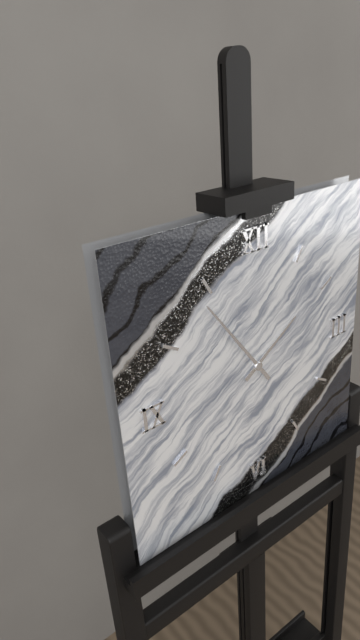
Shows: 1:54
